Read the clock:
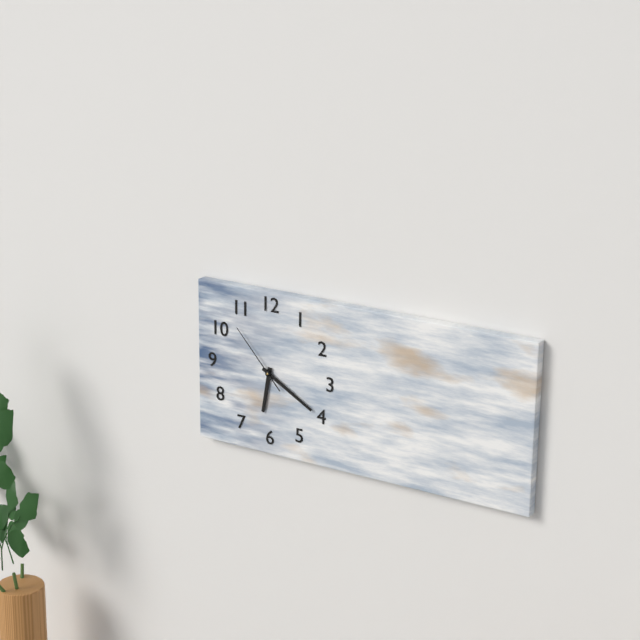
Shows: 6:20:53
